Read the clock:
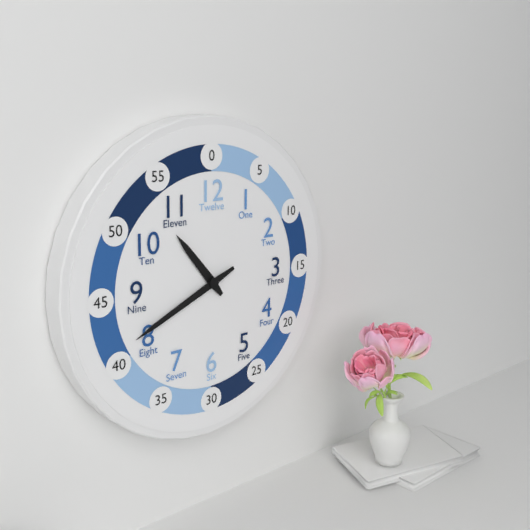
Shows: 10:41
